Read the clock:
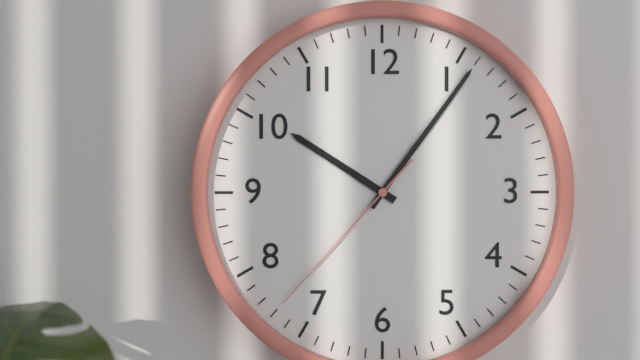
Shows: 10:06:37
